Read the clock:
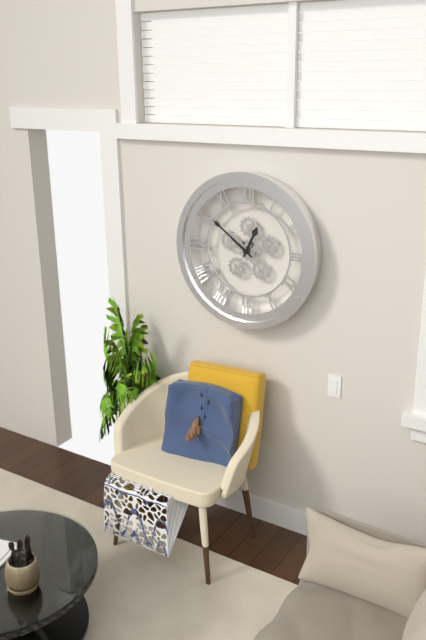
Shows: 12:51
